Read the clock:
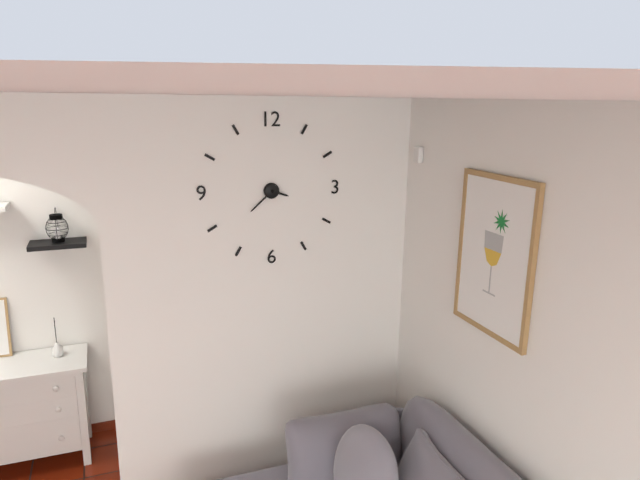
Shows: 3:38
